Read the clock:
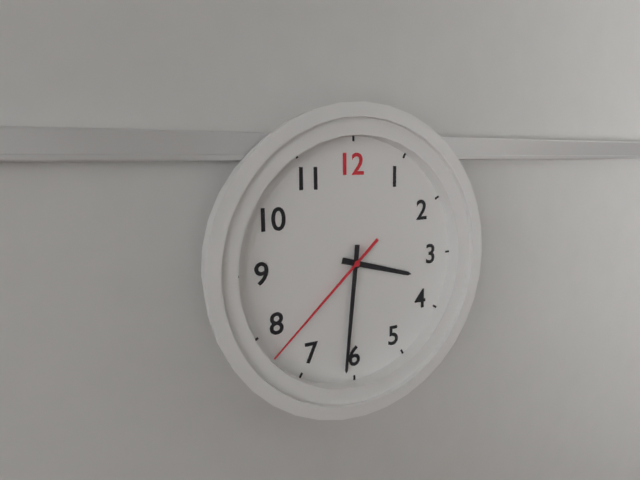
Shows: 3:31:38
